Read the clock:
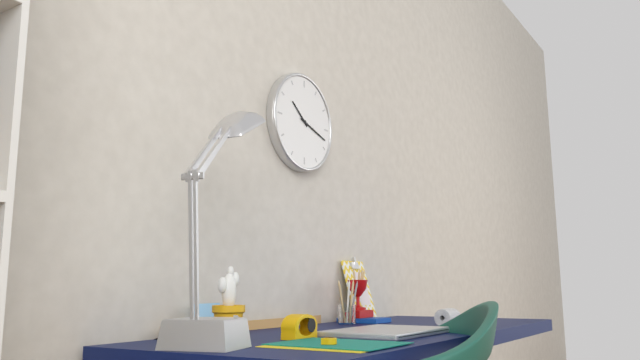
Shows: 10:18
